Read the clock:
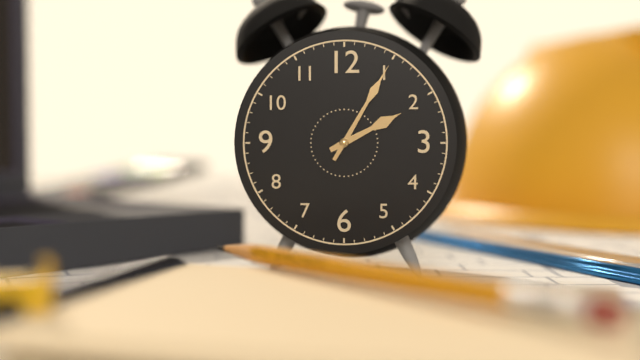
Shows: 2:05
